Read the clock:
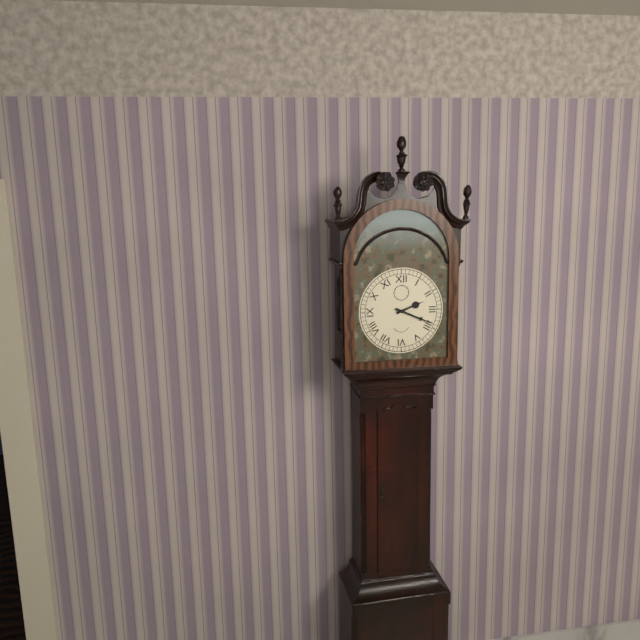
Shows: 2:19
